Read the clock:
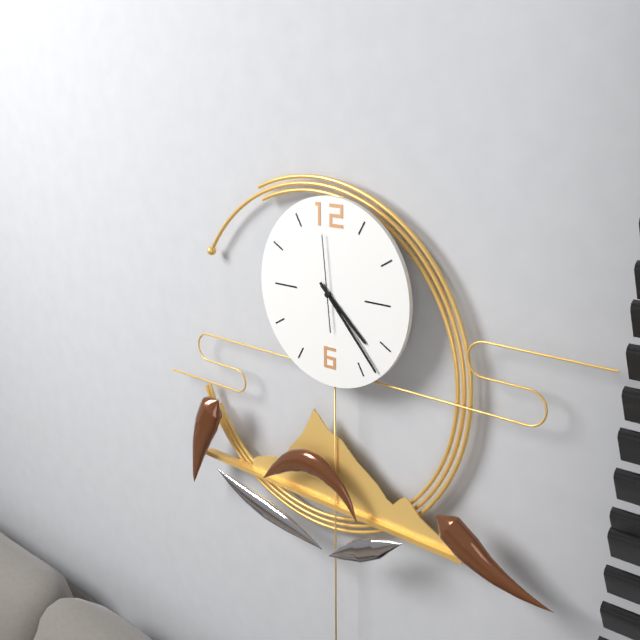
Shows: 4:23:59
